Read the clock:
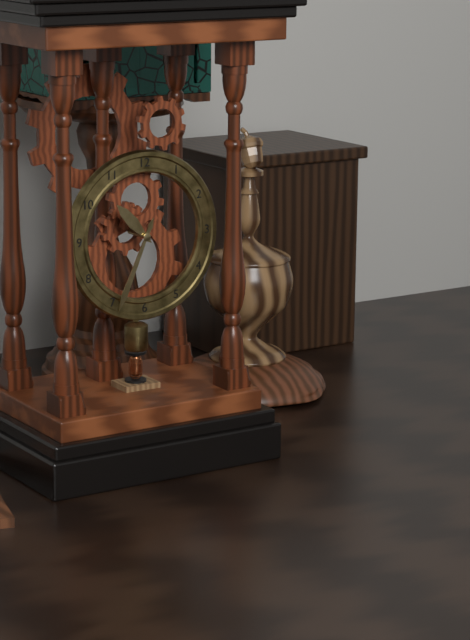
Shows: 10:34
